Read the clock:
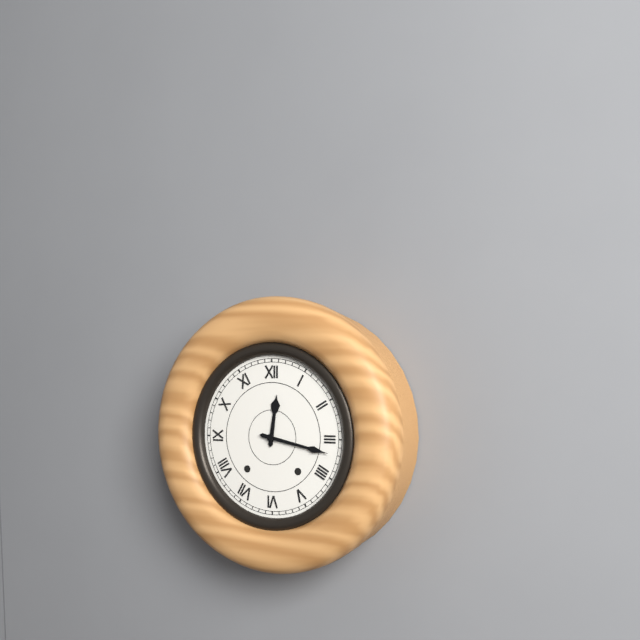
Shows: 12:17
